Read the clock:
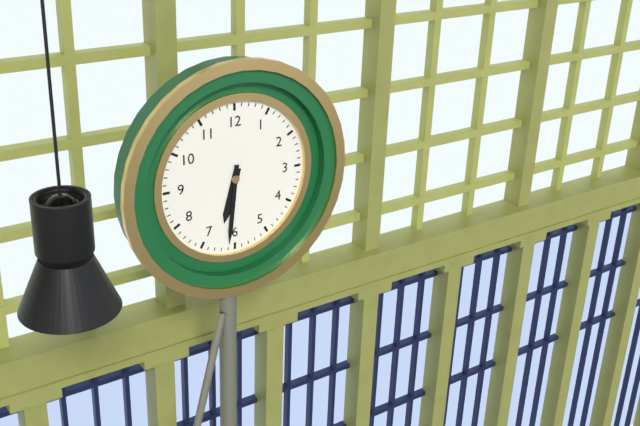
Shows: 6:31
